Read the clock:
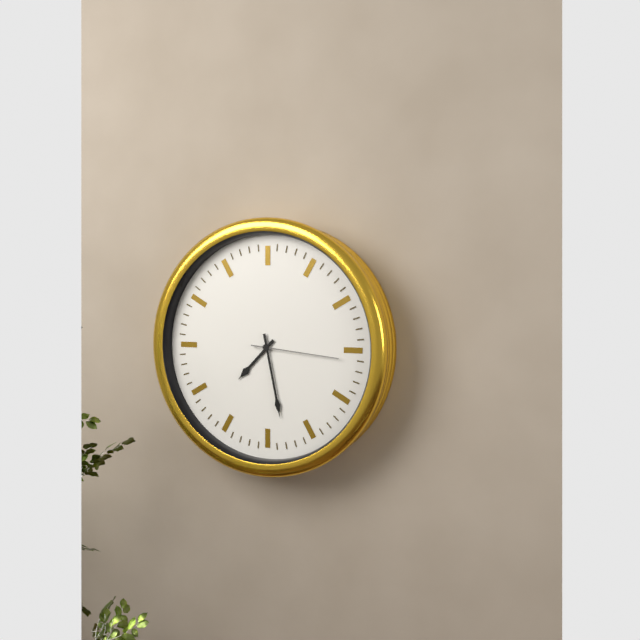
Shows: 7:28:16
